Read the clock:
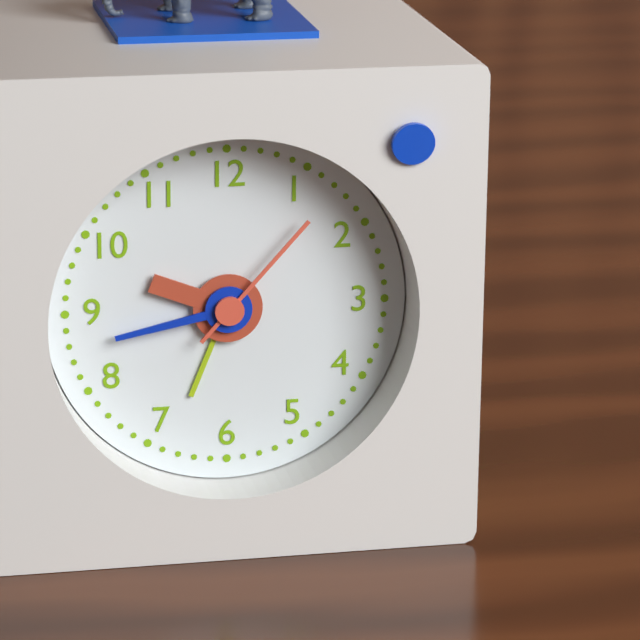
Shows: 9:43:07
